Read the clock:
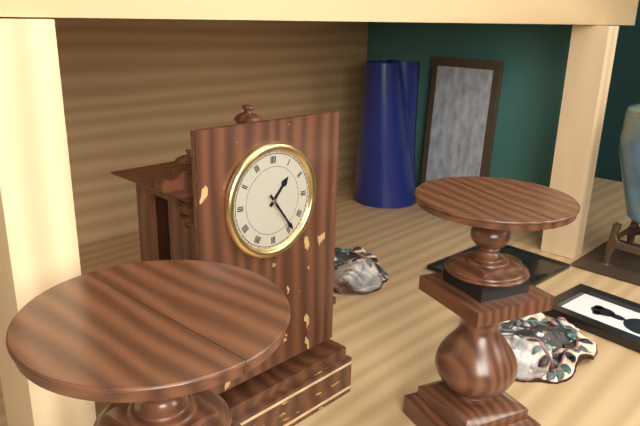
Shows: 1:24
